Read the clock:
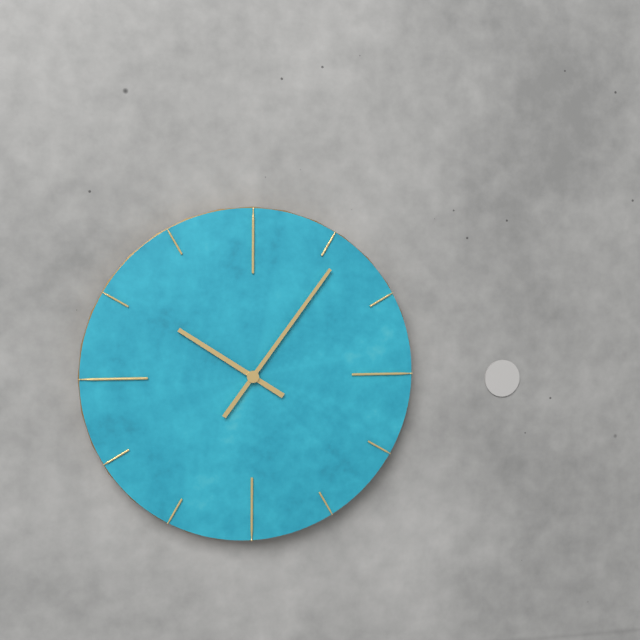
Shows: 10:06
